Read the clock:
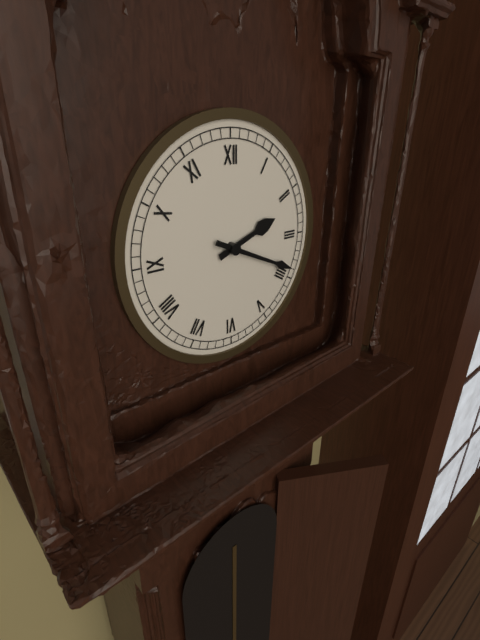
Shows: 2:19
